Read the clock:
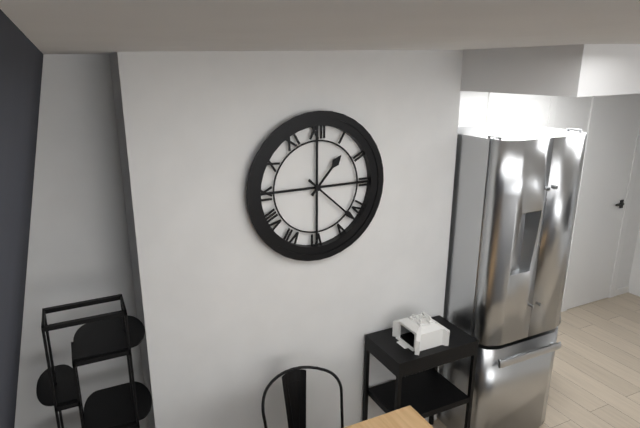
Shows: 1:22
